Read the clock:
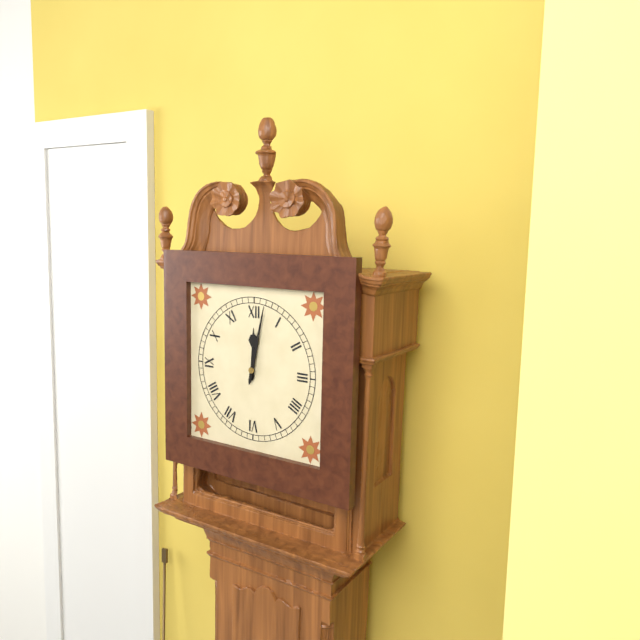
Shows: 12:02
